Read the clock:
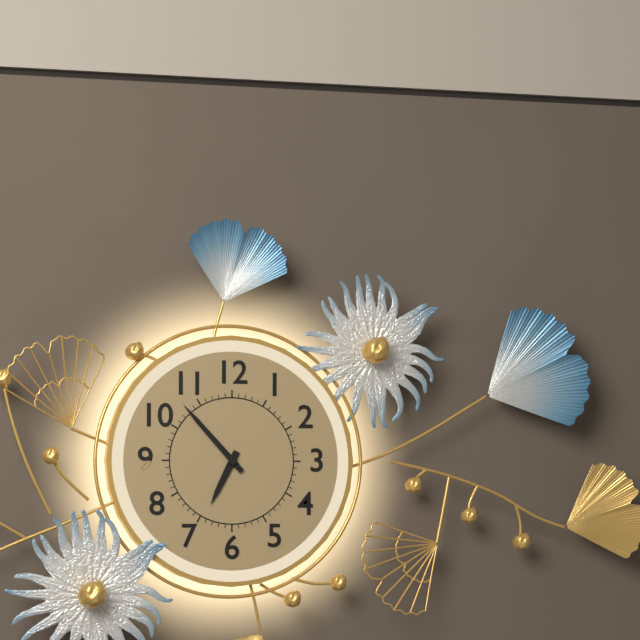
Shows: 6:53
